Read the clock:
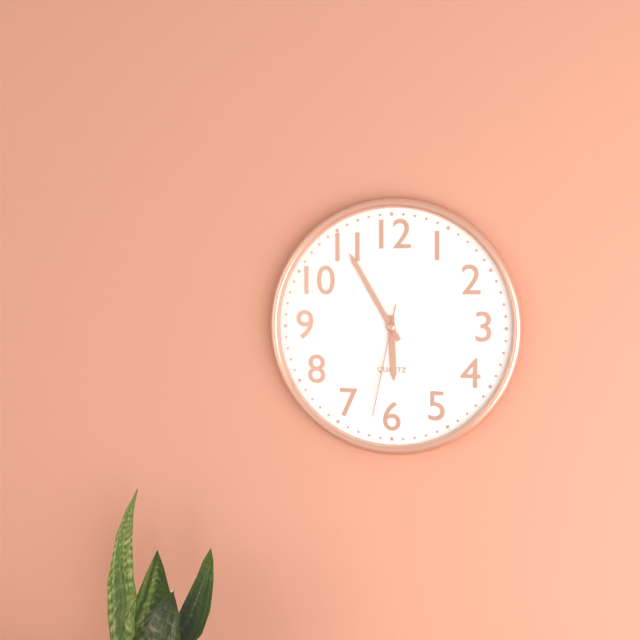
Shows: 5:55:32
